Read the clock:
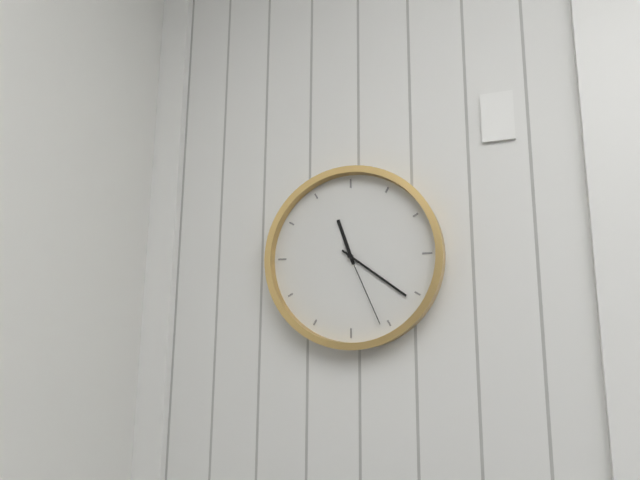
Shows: 11:21:26
